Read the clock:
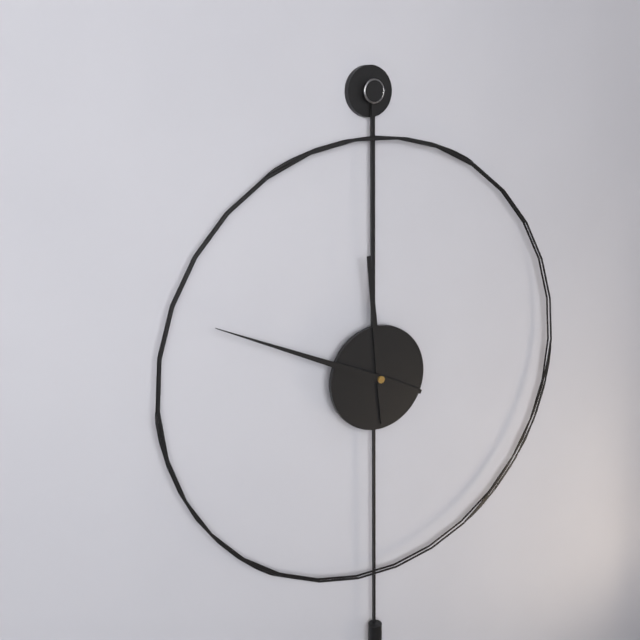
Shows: 11:49
